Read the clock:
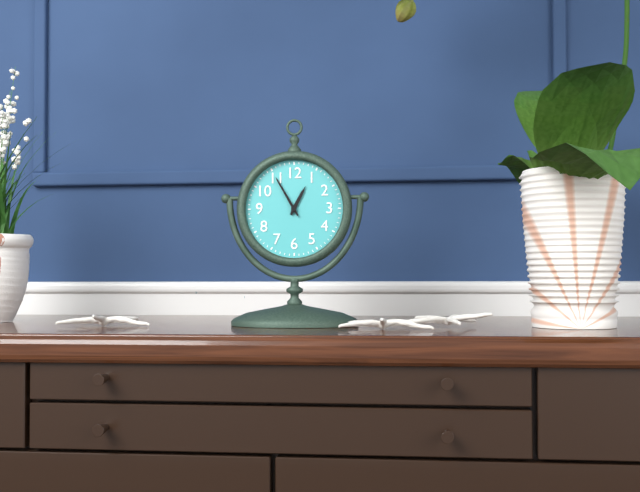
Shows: 12:55
